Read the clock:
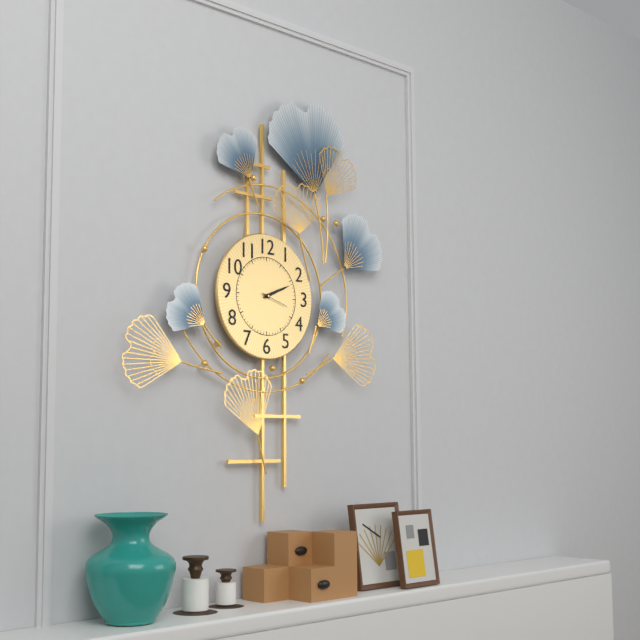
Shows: 2:11
